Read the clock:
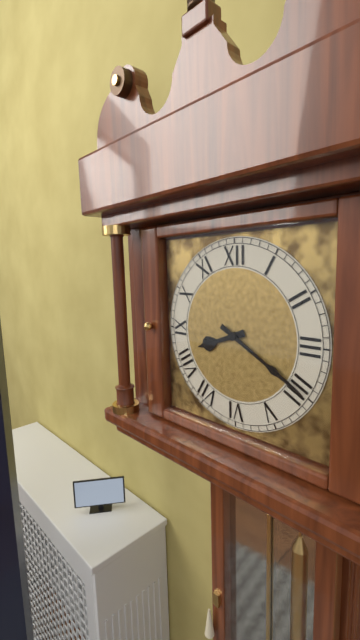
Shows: 8:20
